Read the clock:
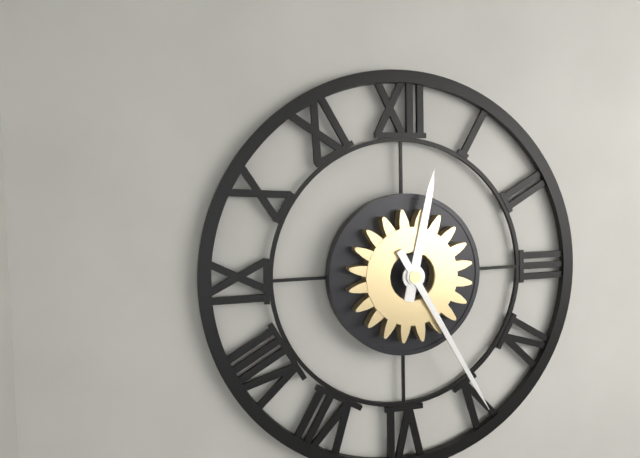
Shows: 12:25
